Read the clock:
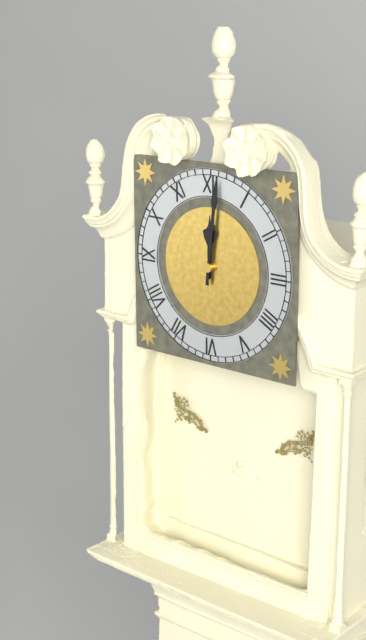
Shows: 12:01
